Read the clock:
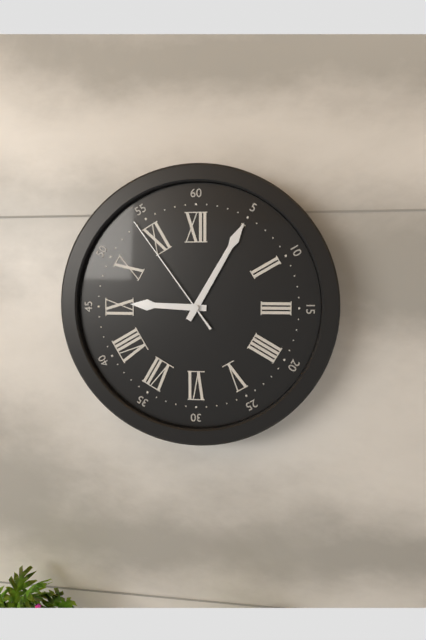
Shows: 9:05:54
